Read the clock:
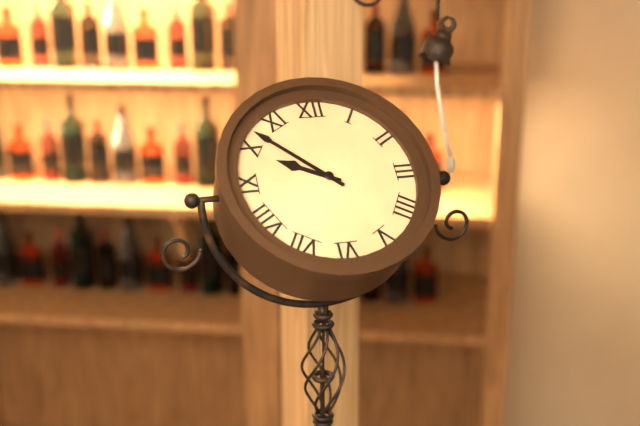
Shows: 9:52
